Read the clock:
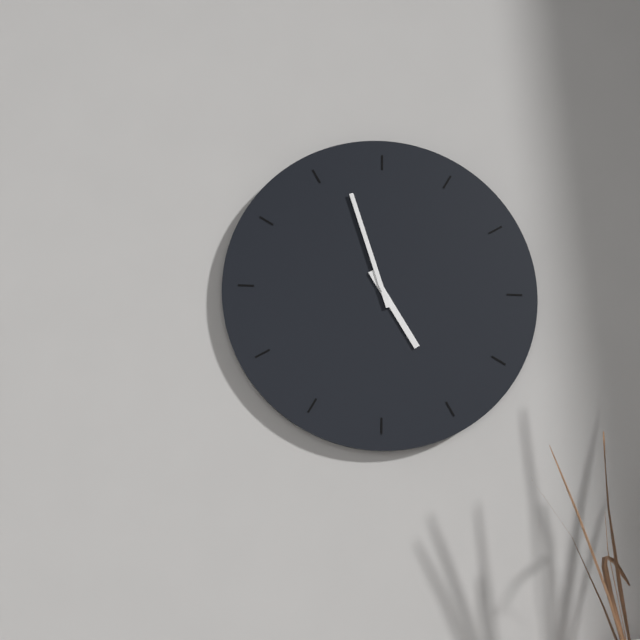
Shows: 4:57
